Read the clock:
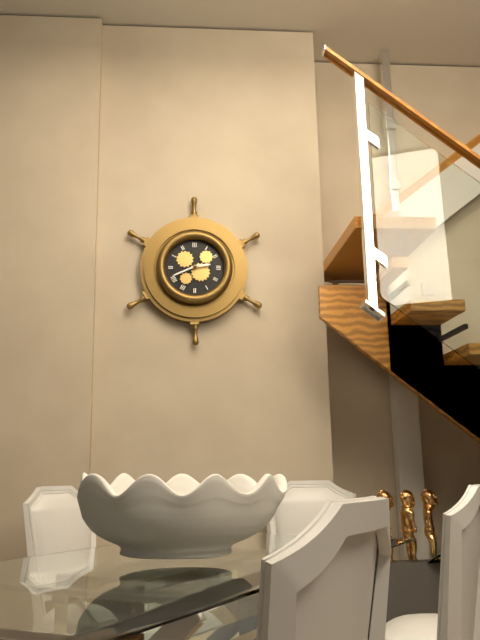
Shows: 2:41
